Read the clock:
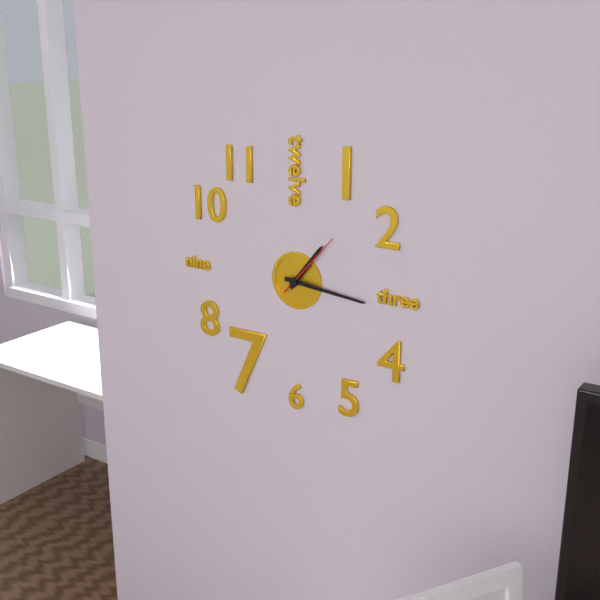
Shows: 1:16:07
